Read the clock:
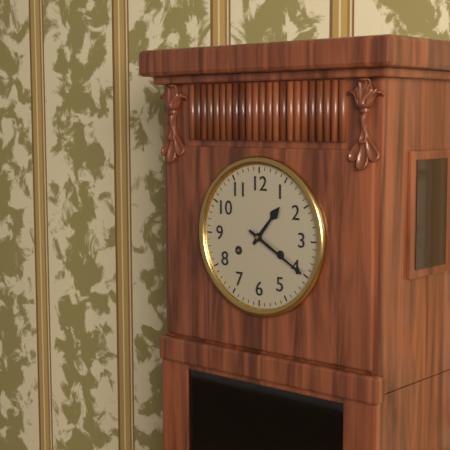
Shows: 1:20
